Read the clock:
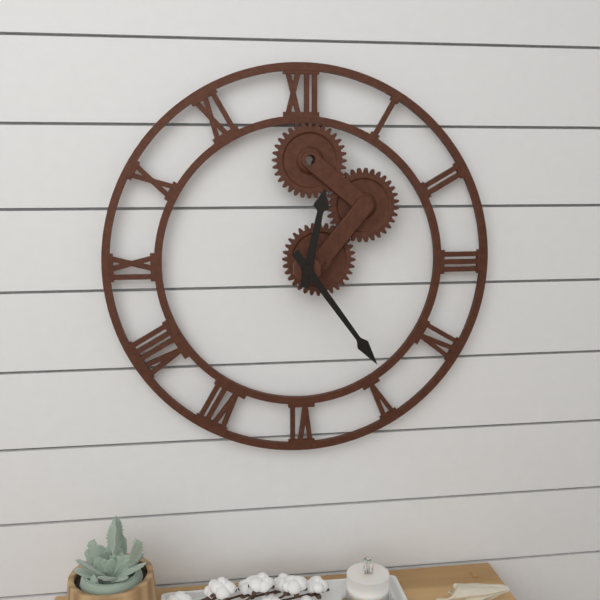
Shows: 12:24
